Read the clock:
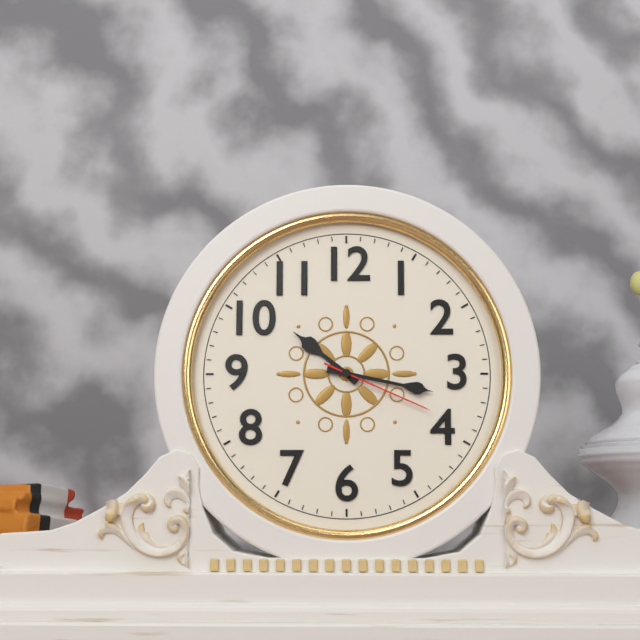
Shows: 10:17:19
